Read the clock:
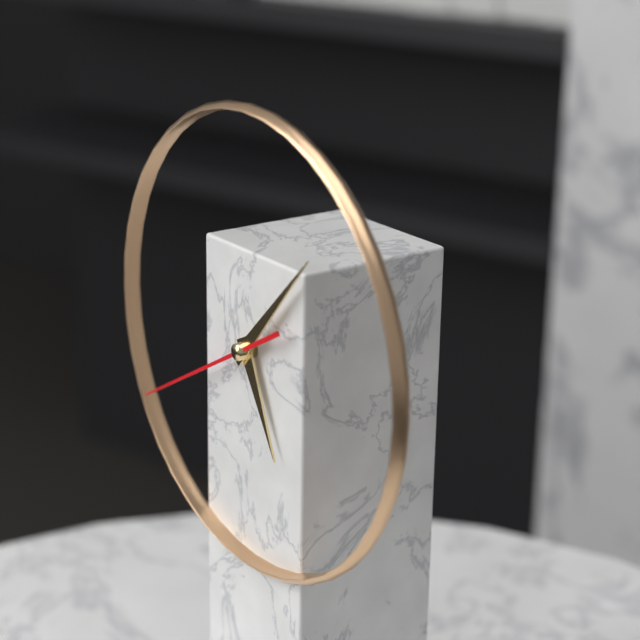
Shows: 5:07:40
